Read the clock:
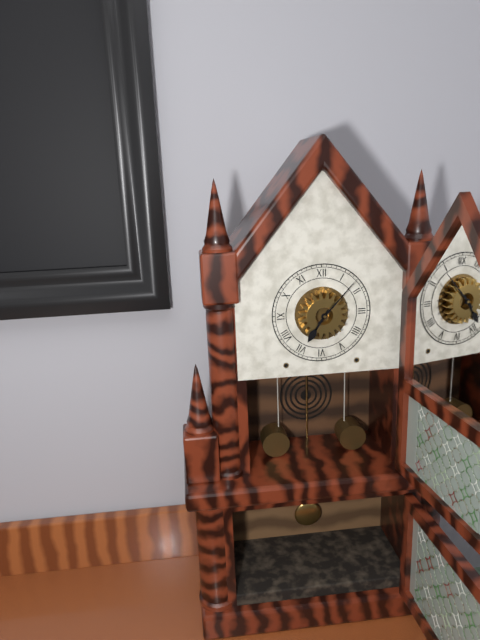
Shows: 7:07
